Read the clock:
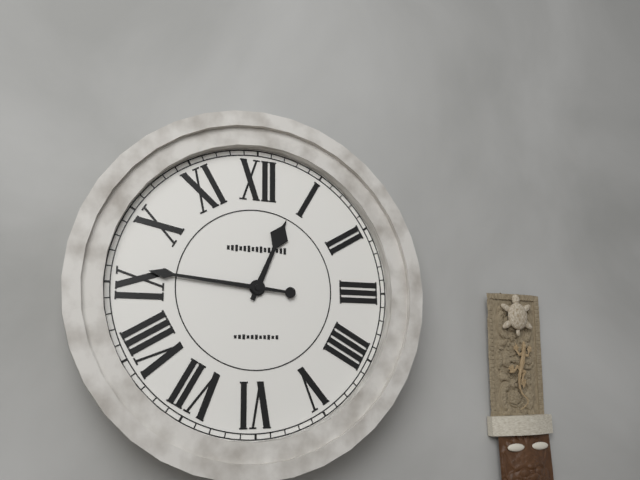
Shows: 12:46
